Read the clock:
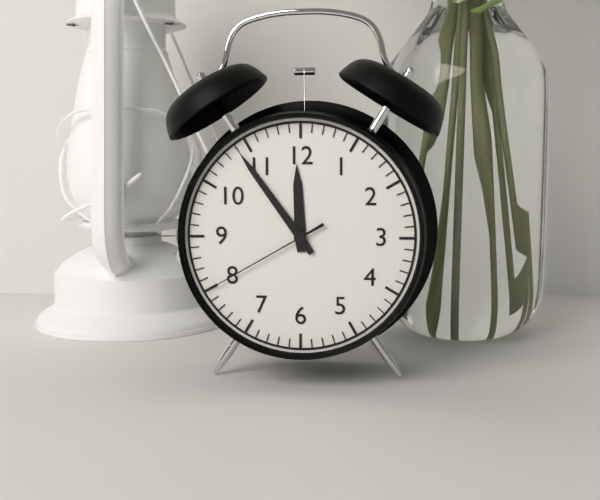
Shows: 11:54:40
